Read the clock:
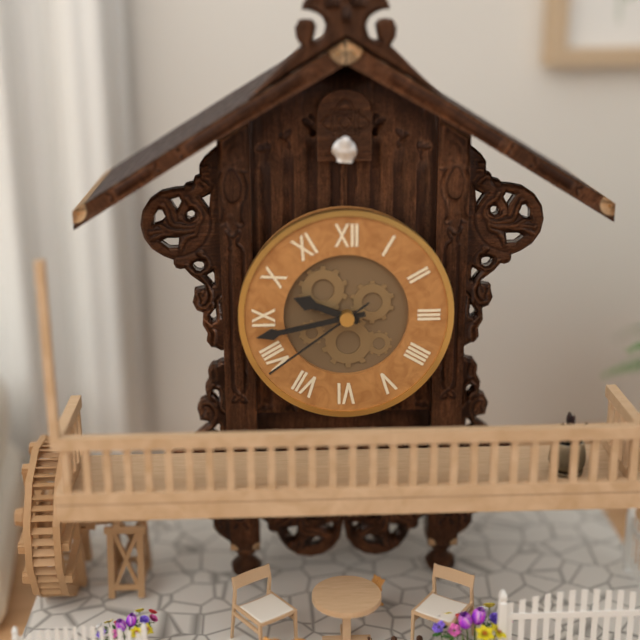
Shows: 9:43:39
